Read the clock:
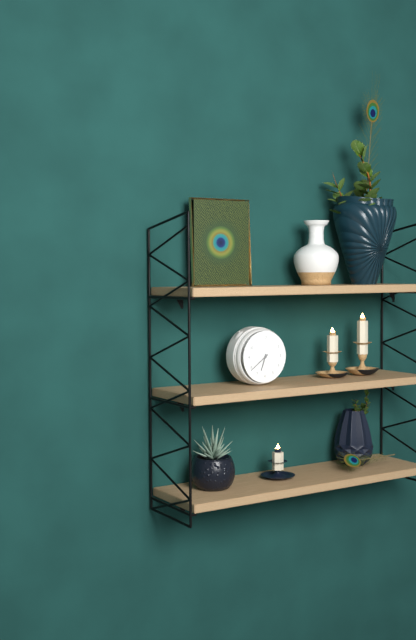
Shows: 6:39
